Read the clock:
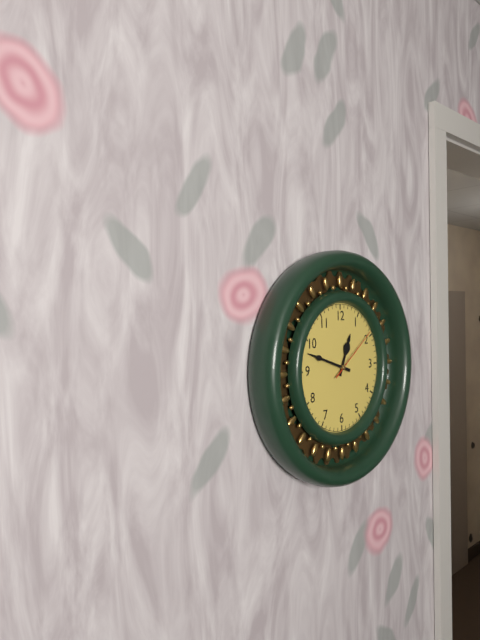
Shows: 12:48:09
